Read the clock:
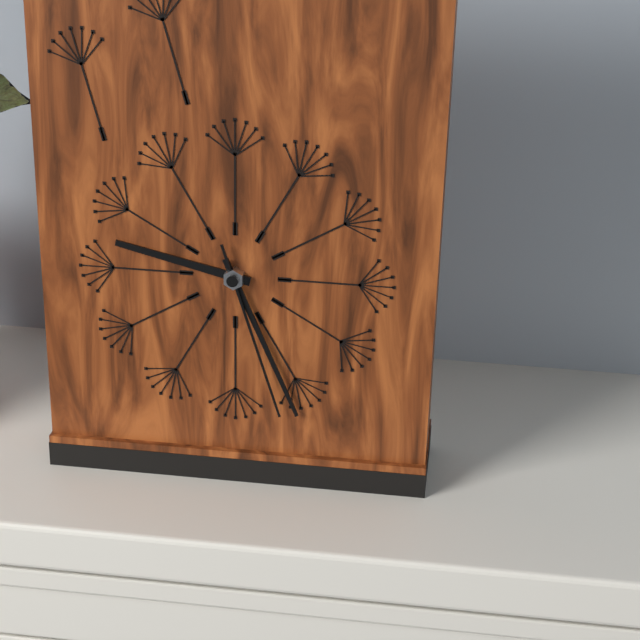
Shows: 9:26:27
